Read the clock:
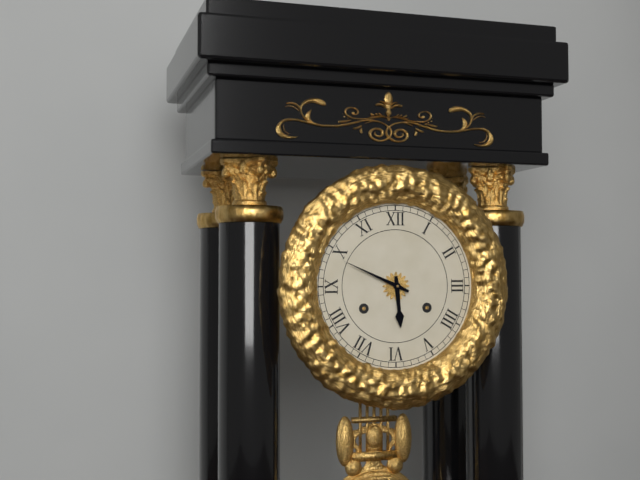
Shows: 5:49
